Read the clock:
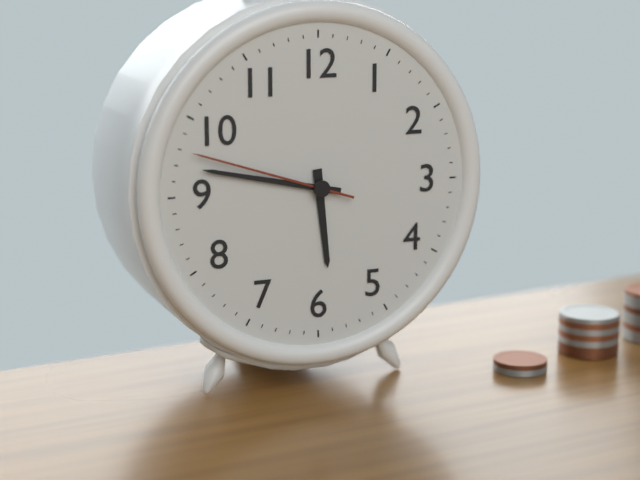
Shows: 5:47:48
